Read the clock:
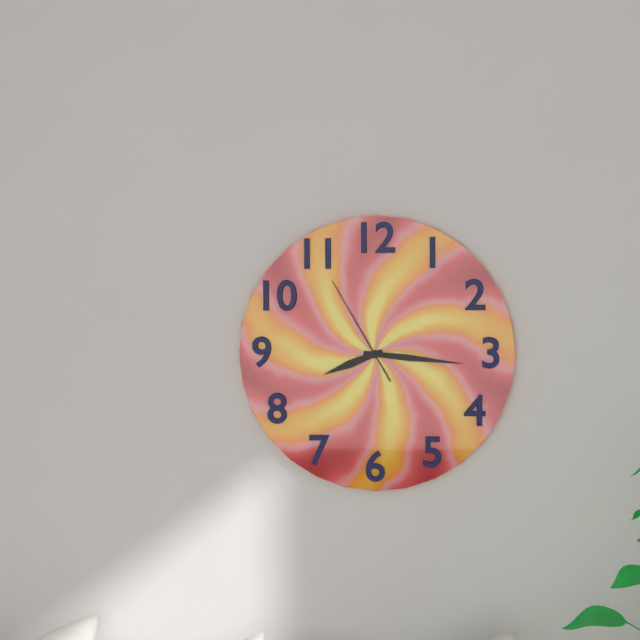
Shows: 8:16:55
